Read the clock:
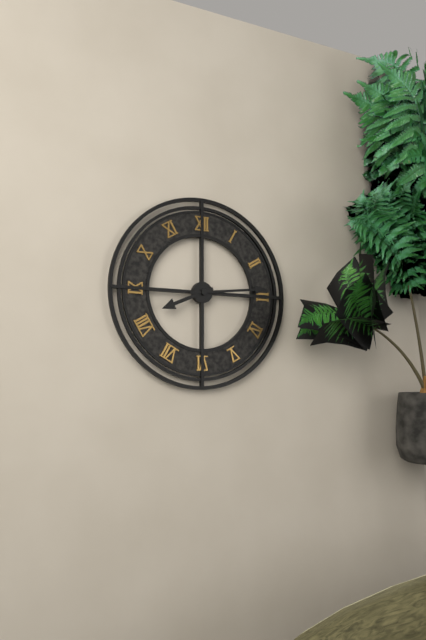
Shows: 8:14
